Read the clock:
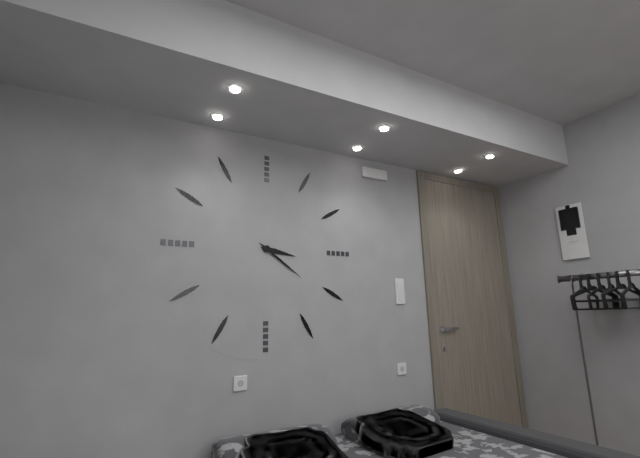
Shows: 3:21
